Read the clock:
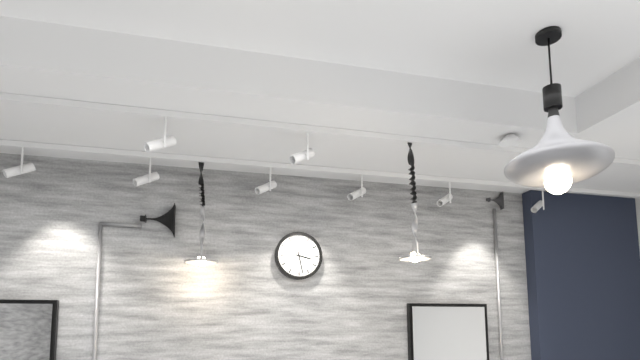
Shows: 3:28
